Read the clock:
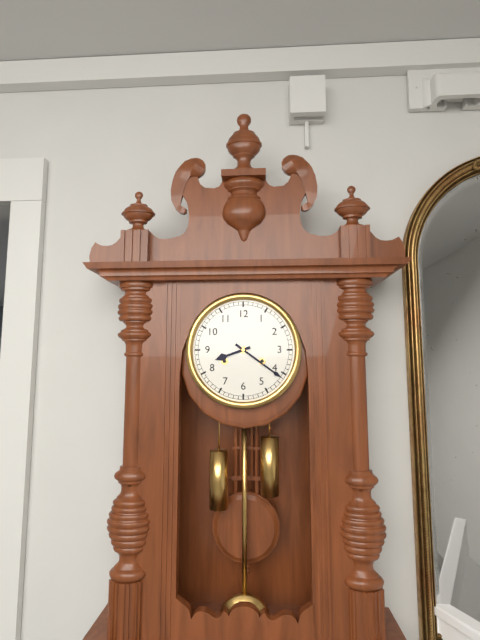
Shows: 8:21
